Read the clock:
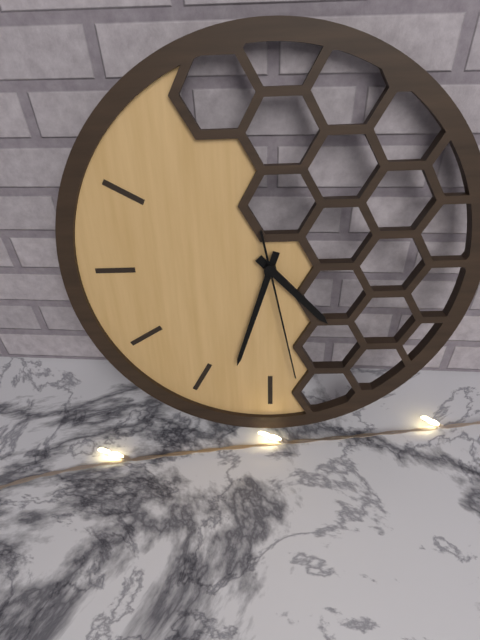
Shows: 4:33:28
